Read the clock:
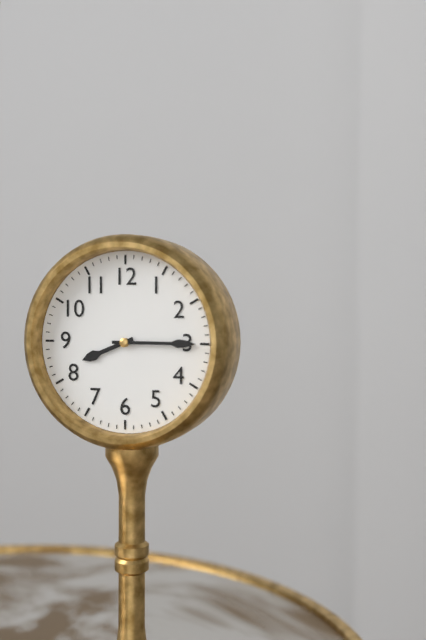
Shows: 8:15
